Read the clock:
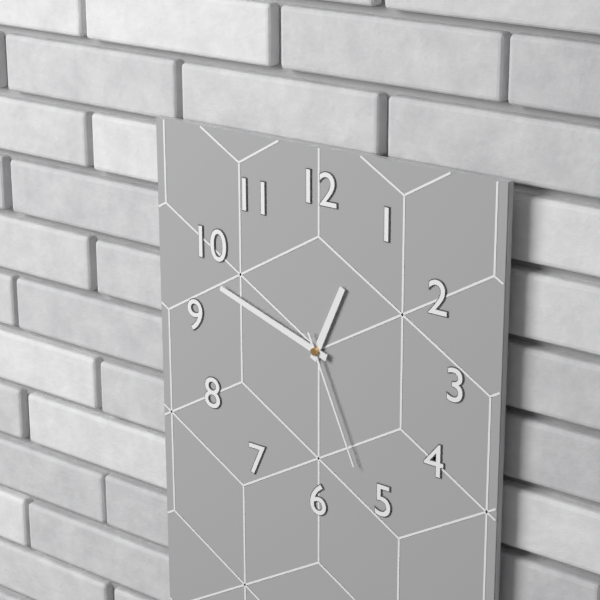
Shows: 12:48:26
